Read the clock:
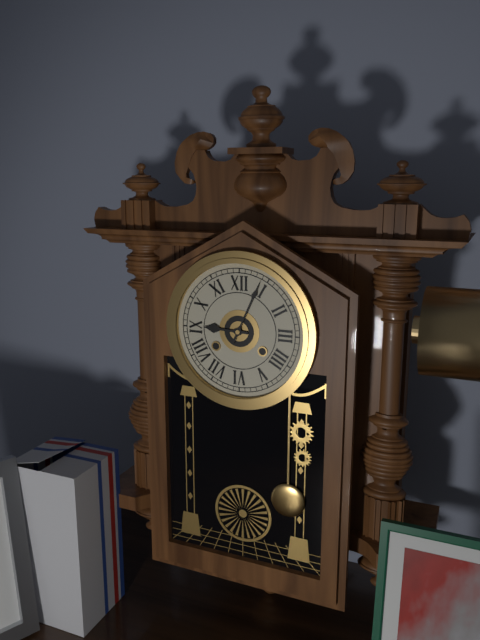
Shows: 9:04
